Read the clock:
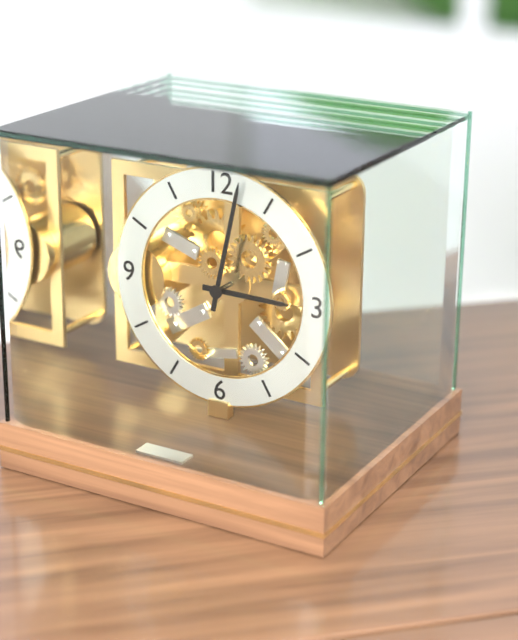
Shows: 3:02
